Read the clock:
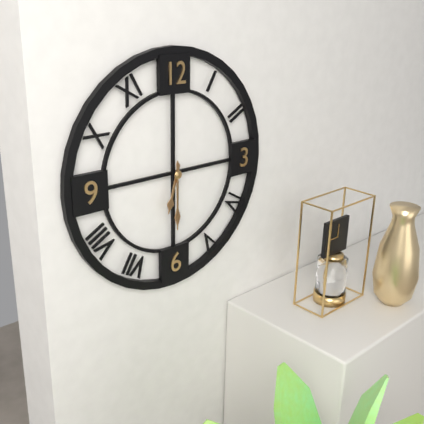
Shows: 6:30
